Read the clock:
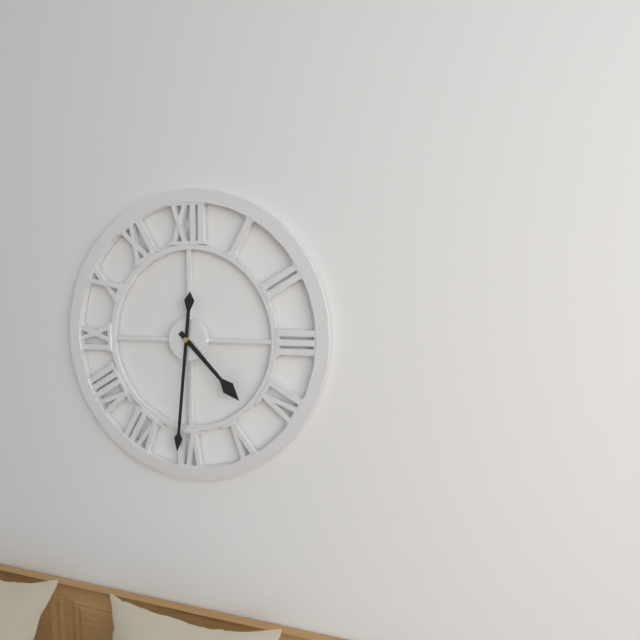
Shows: 4:31
